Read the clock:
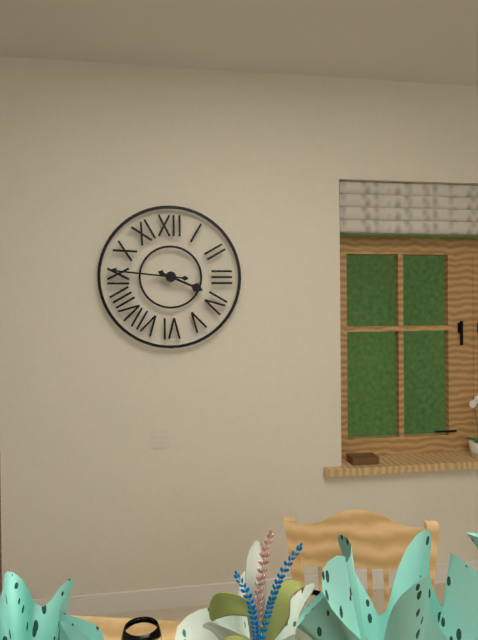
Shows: 3:46
